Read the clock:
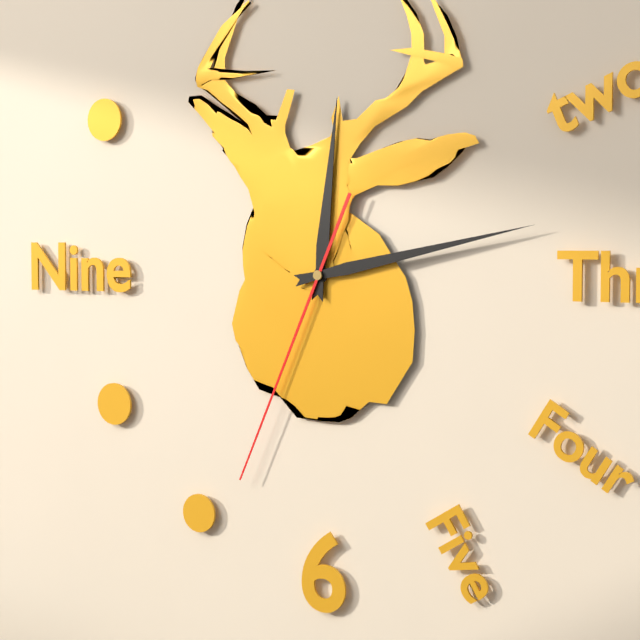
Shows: 12:13:34
